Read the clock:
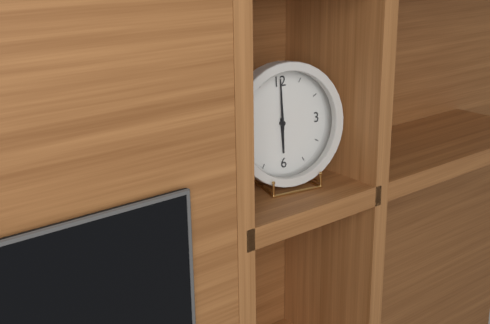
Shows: 6:00
